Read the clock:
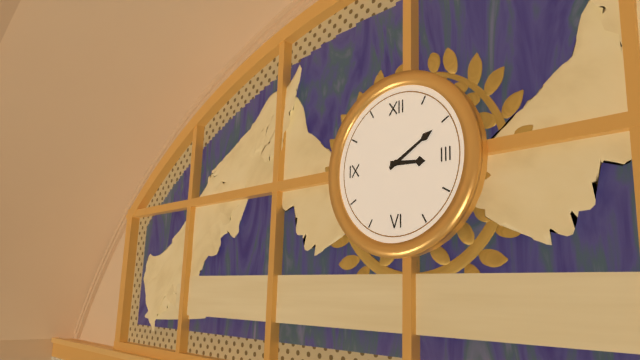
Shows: 3:10
